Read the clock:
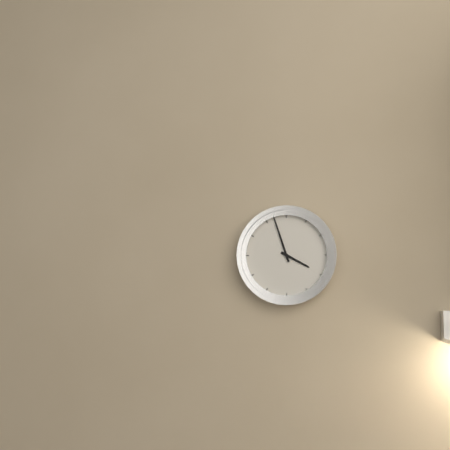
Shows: 3:57
